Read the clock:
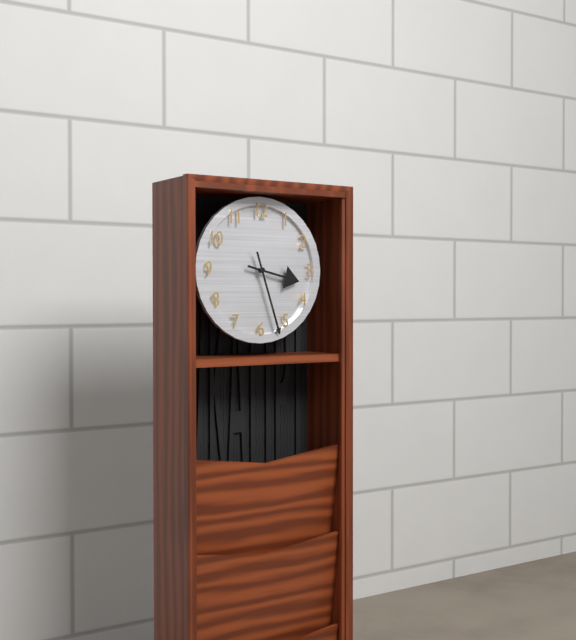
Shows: 3:27
